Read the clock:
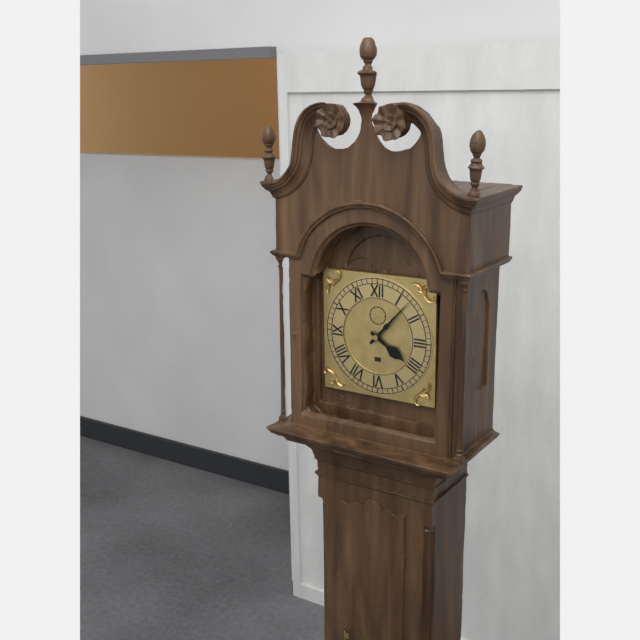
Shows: 4:07
